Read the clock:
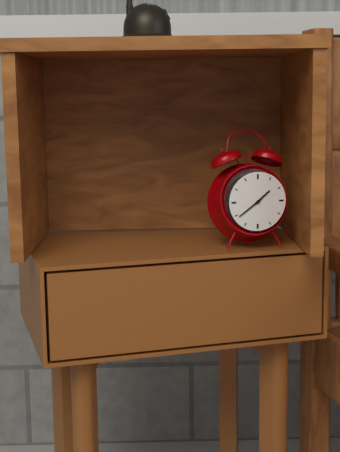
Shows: 1:39
